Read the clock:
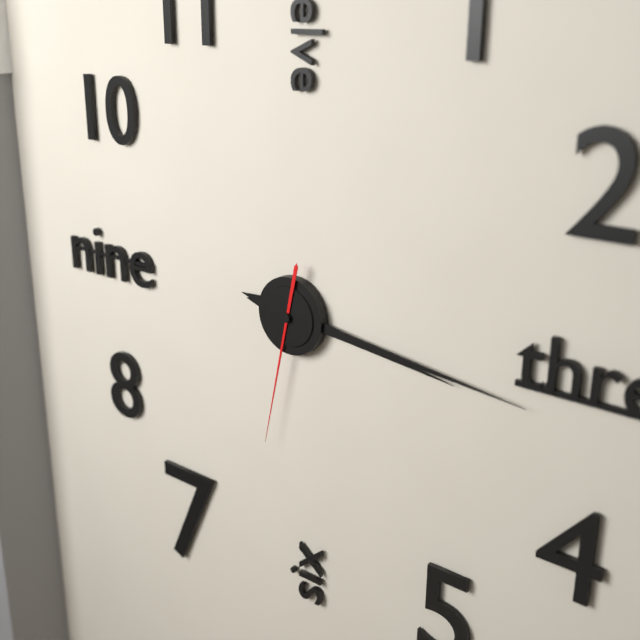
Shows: 3:16:32
